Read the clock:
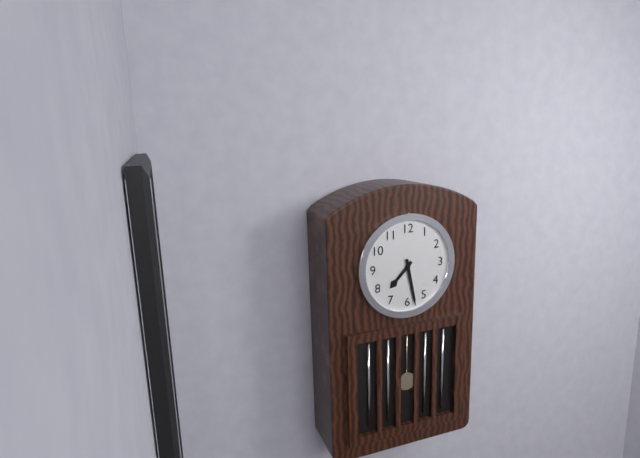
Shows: 7:28
